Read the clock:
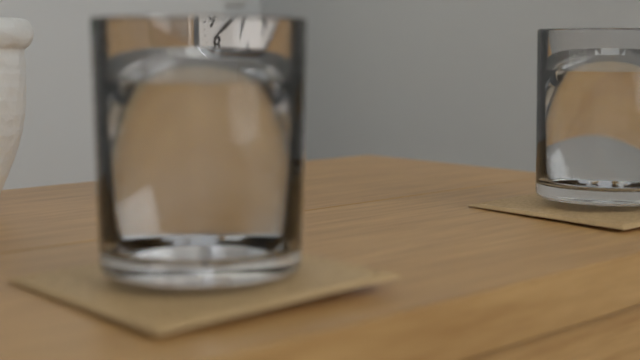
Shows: 6:42:01
